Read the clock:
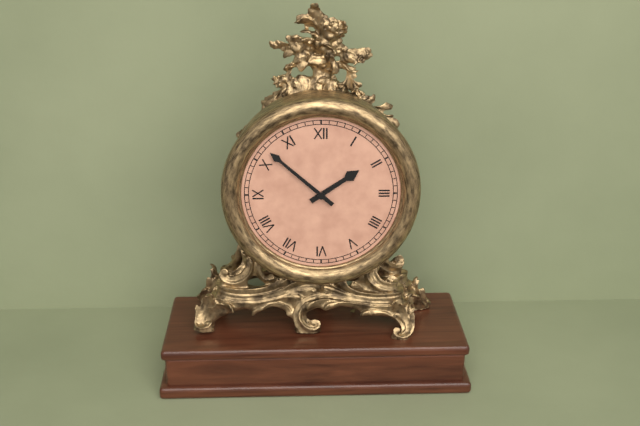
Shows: 1:52
